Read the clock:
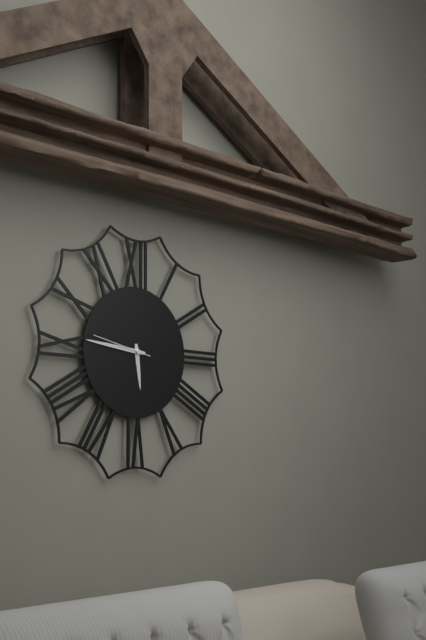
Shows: 5:46:47
